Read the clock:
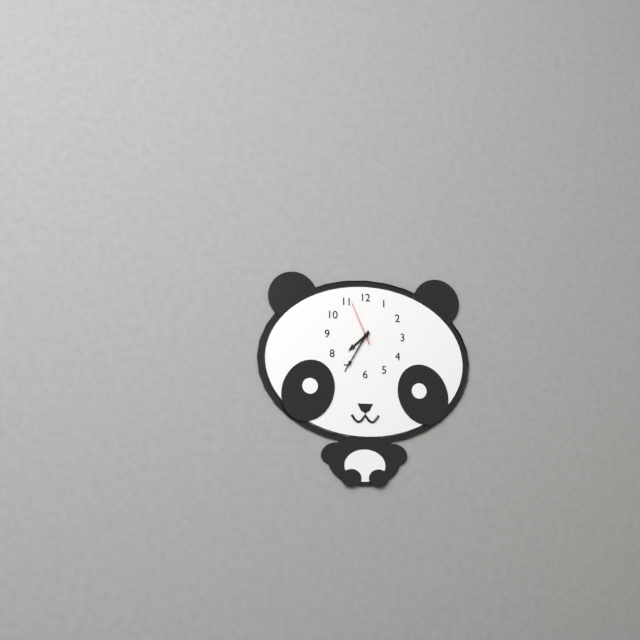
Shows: 7:35
